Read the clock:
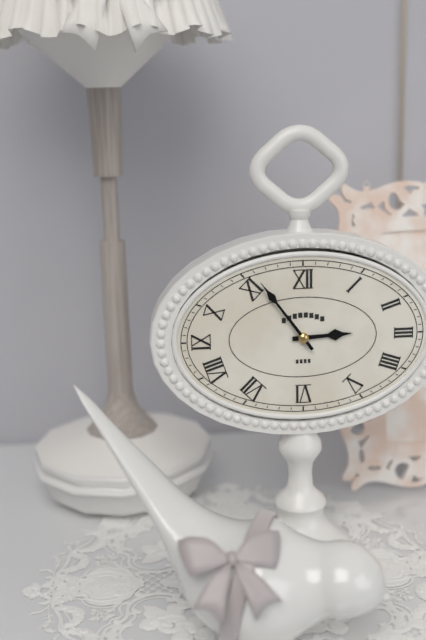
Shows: 2:54
